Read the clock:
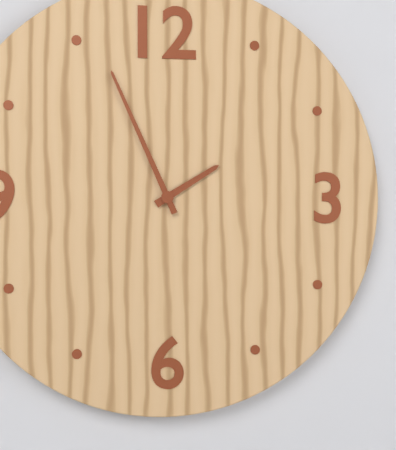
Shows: 1:56
